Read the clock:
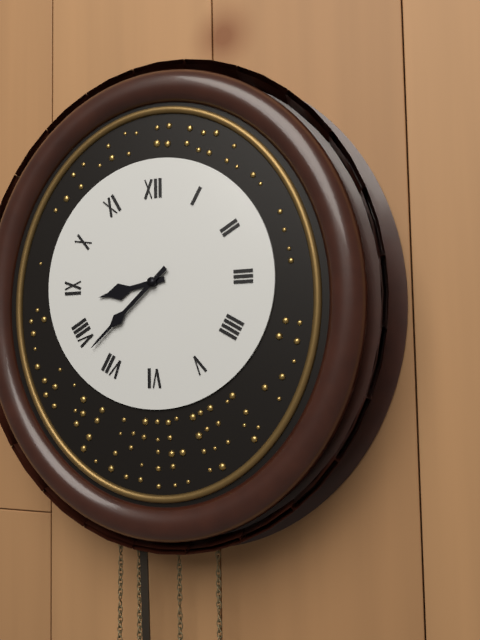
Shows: 8:38
